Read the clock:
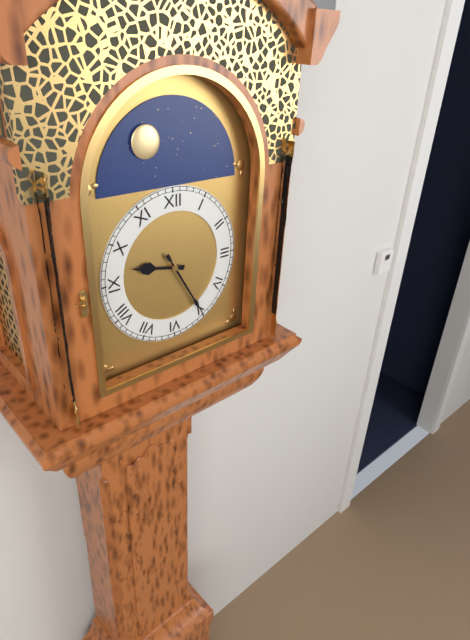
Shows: 9:25
